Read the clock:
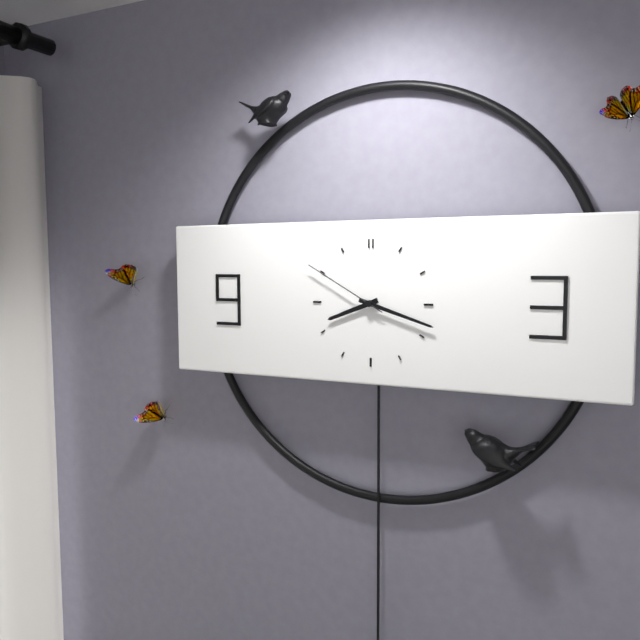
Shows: 8:18:50
